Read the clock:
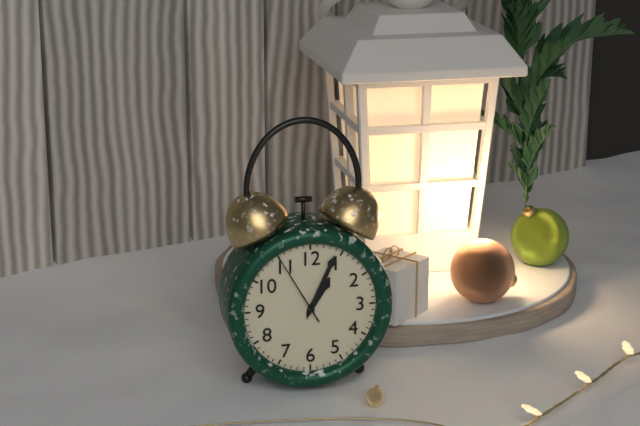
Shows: 1:04:55
